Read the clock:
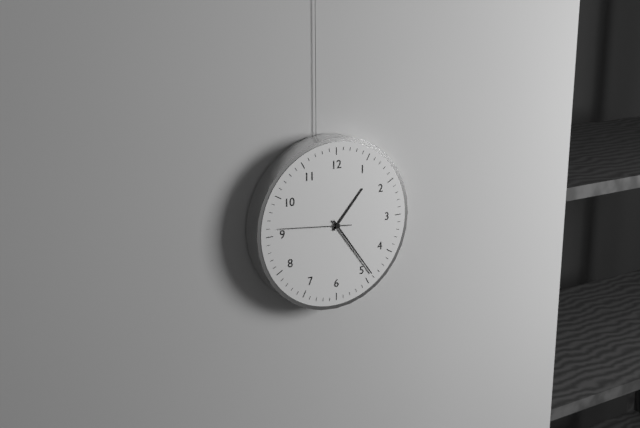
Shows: 1:24:46
